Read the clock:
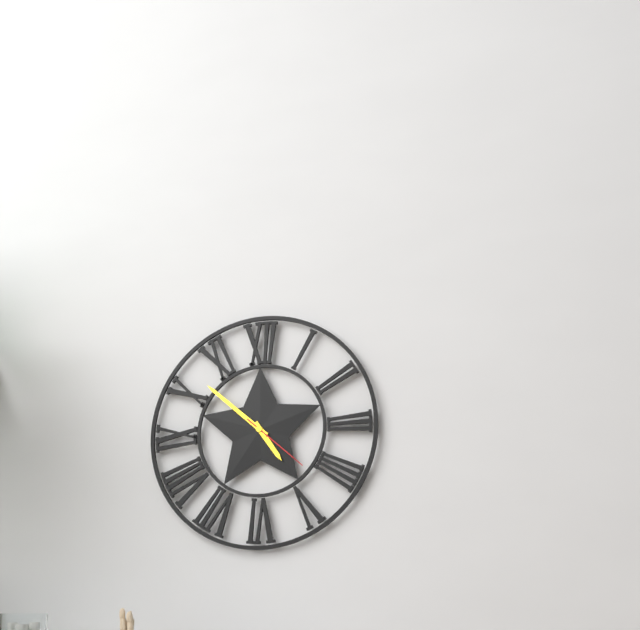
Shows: 4:52:22
